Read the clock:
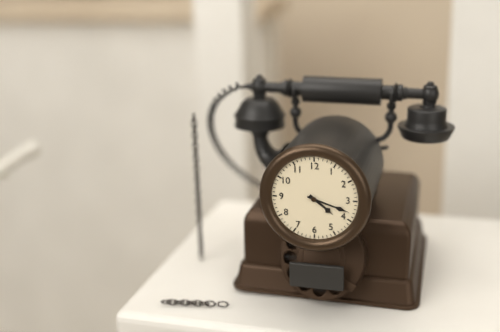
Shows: 4:18
